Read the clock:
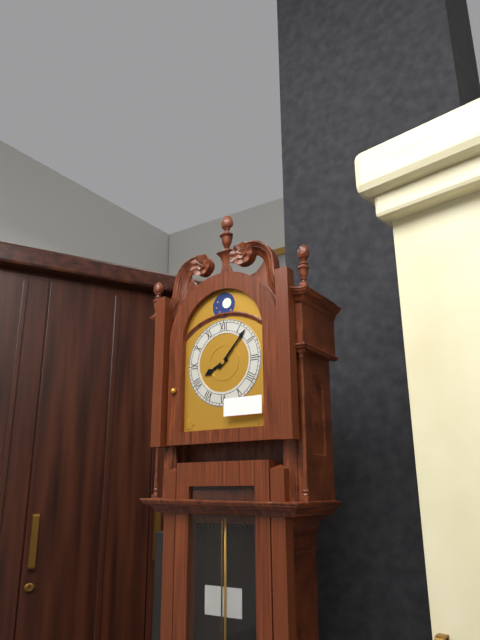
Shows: 8:07
